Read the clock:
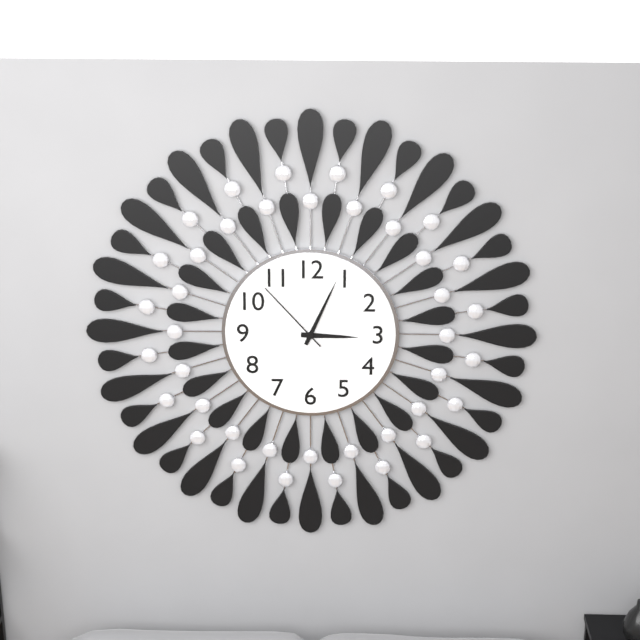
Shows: 3:04:53
